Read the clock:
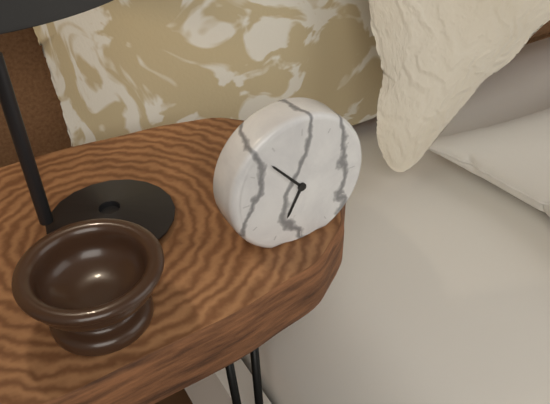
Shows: 6:53
